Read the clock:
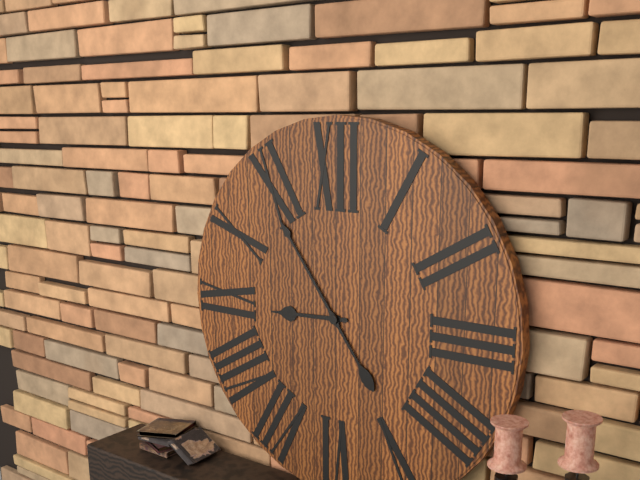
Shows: 8:54
